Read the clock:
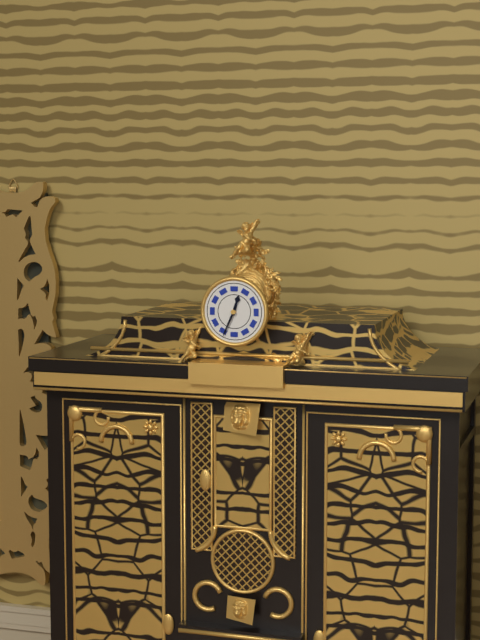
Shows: 12:34
